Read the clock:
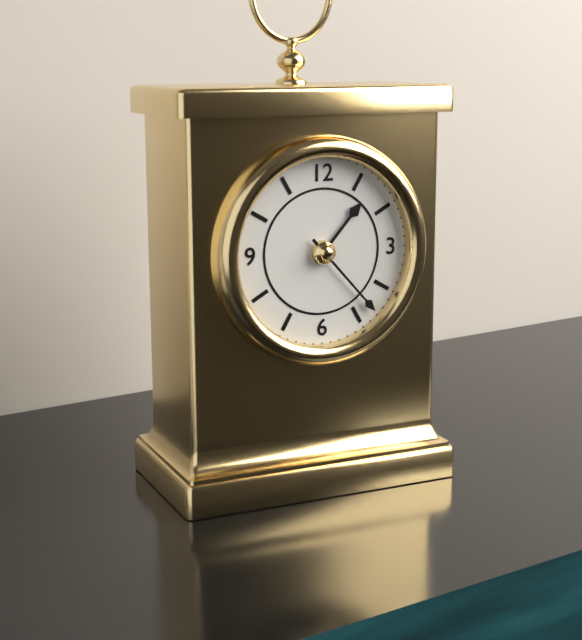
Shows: 1:23
